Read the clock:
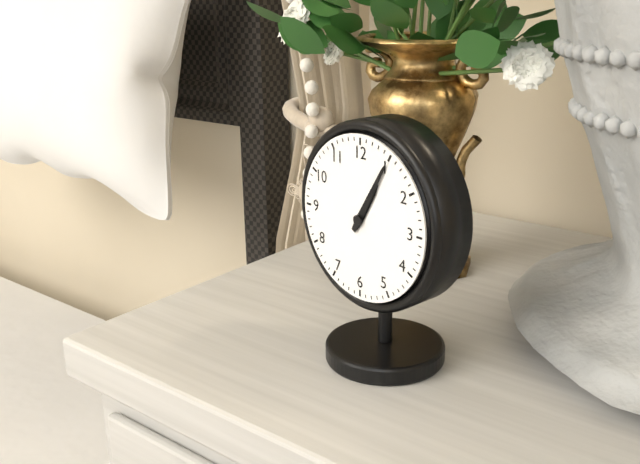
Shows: 1:05
